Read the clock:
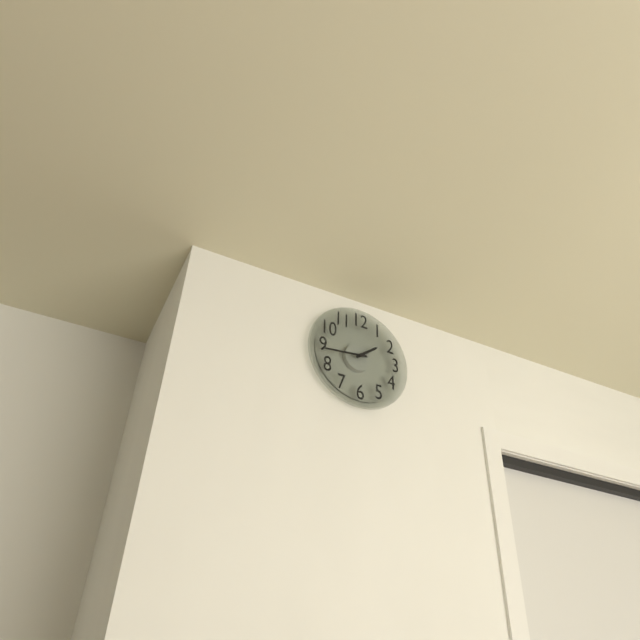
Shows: 1:44
